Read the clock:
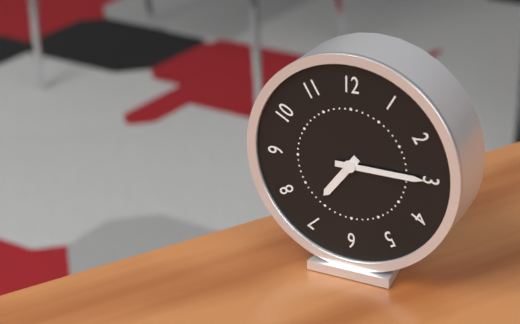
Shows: 7:15
